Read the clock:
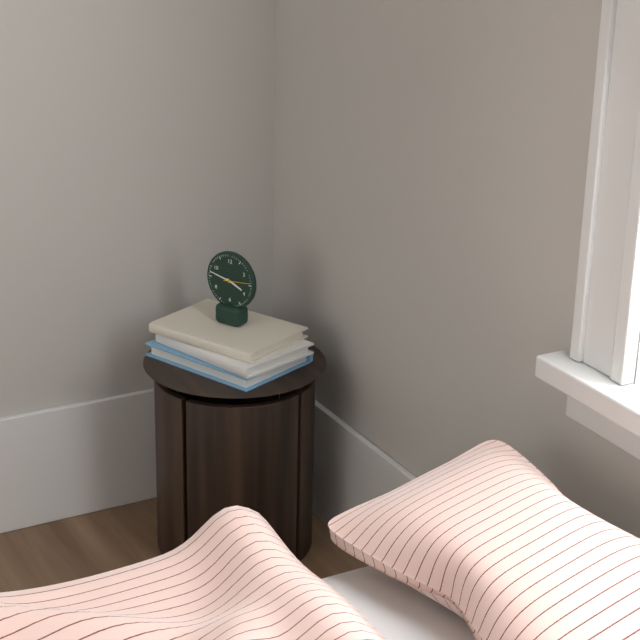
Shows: 3:47
